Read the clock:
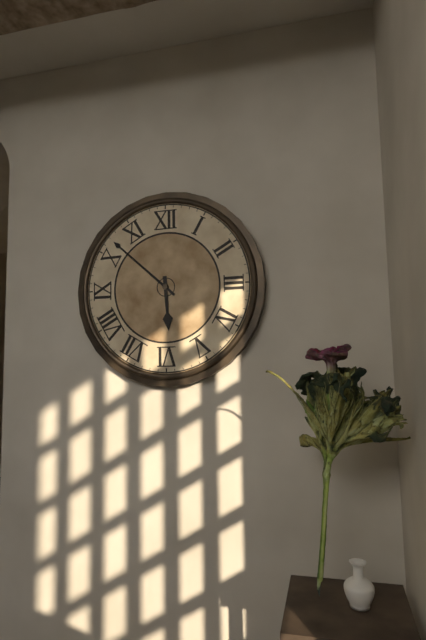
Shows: 5:52
